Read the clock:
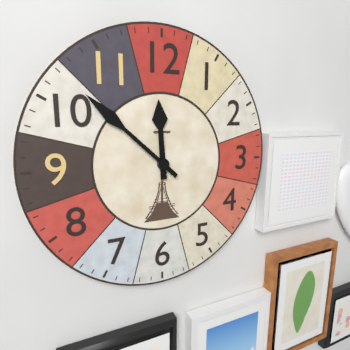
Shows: 11:52
